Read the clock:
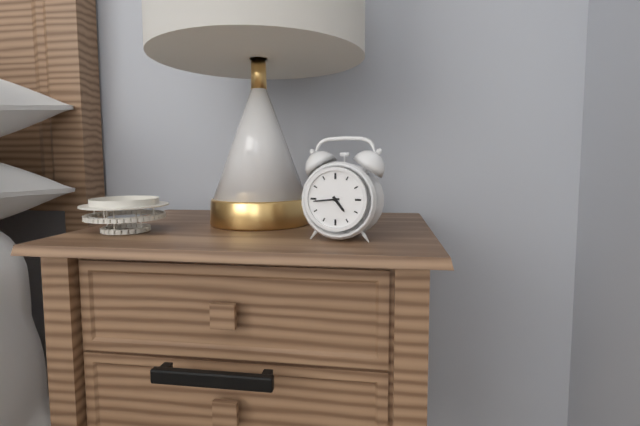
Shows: 4:44
